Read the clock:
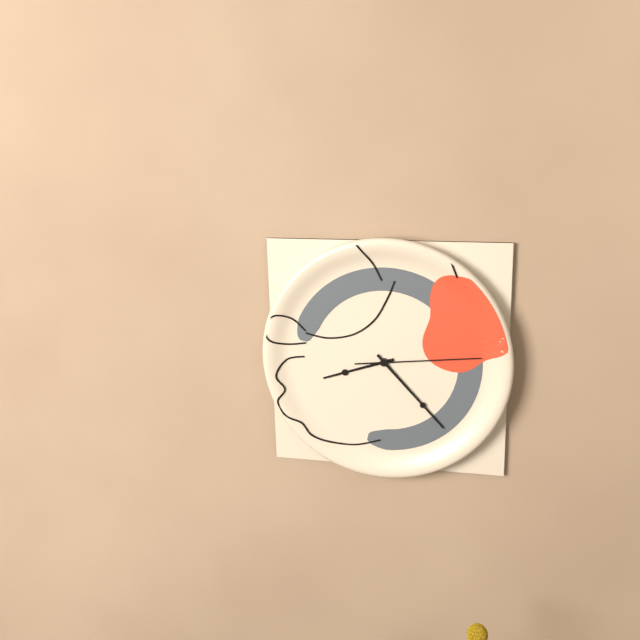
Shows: 8:23:14
